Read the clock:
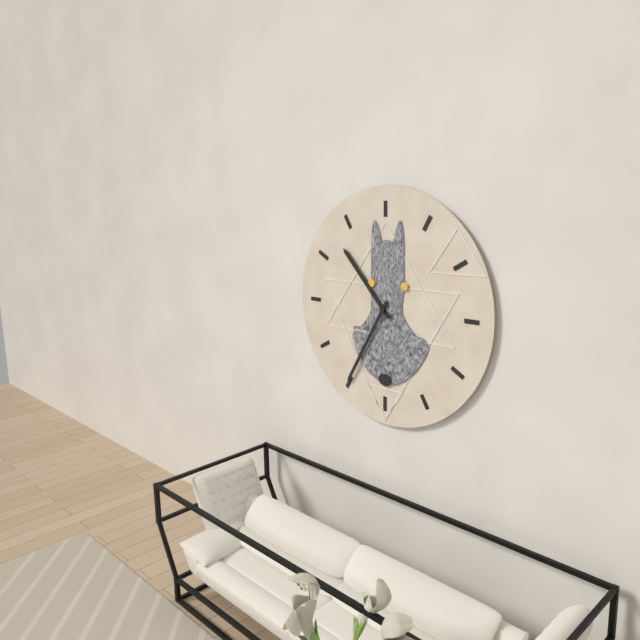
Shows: 10:35
